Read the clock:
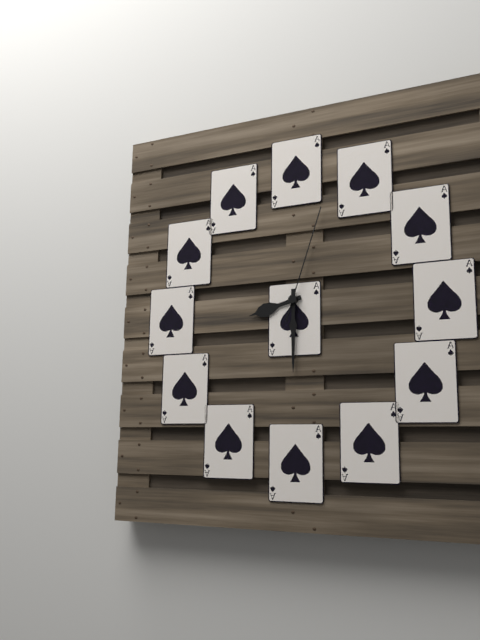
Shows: 8:30:03
